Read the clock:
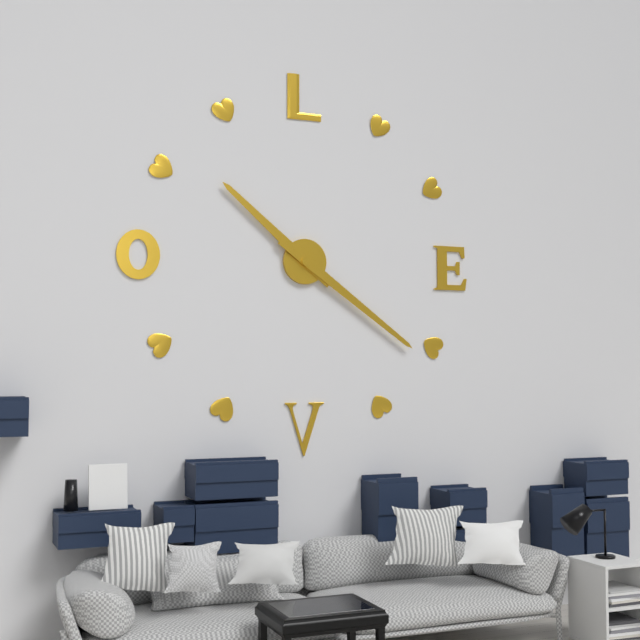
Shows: 10:21
